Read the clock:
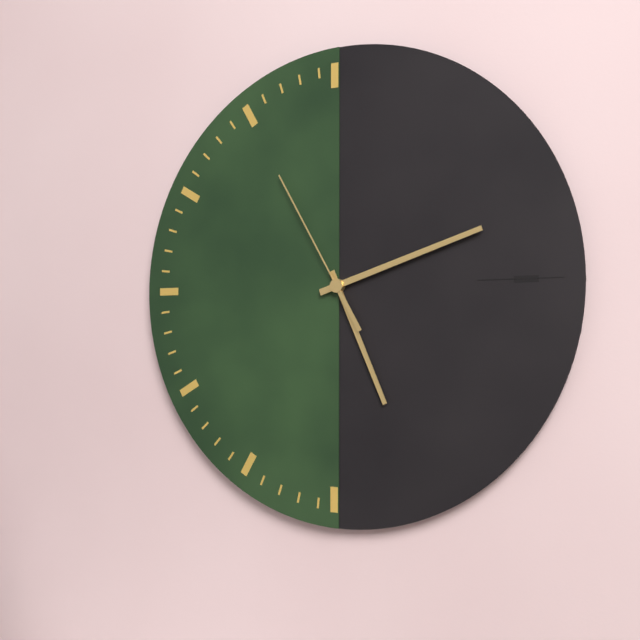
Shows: 5:12:55
